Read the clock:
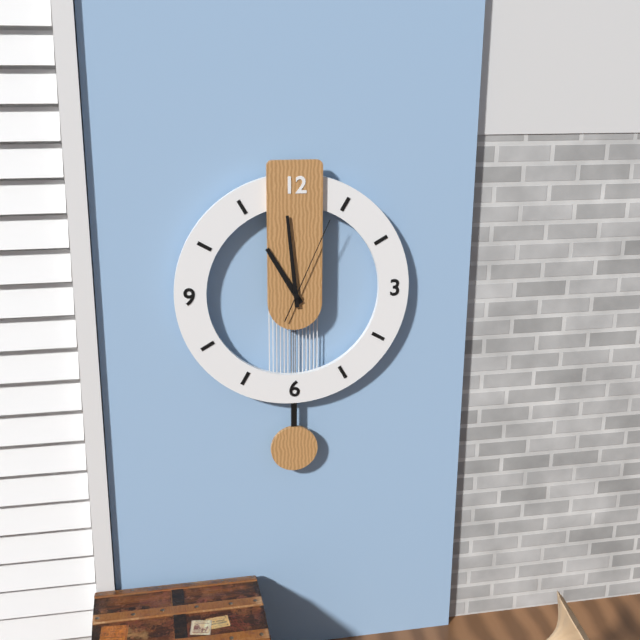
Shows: 10:59:04
